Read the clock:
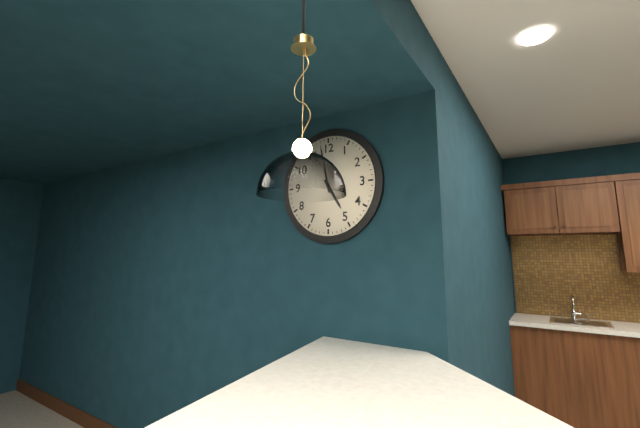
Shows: 4:58
